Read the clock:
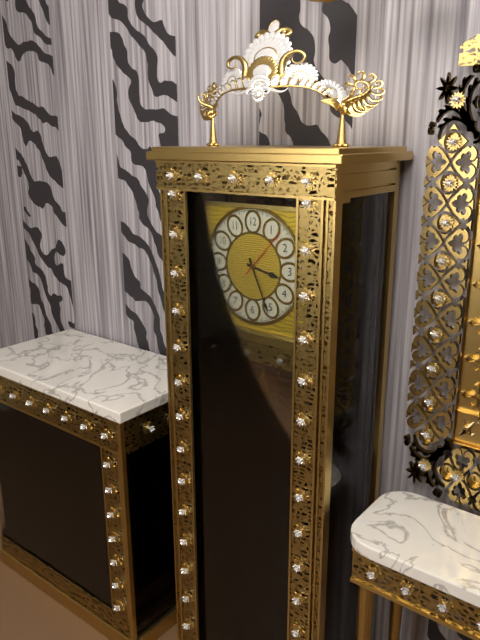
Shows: 3:26:07
